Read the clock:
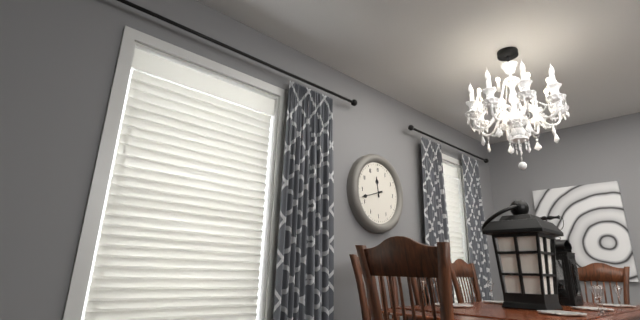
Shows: 11:42
